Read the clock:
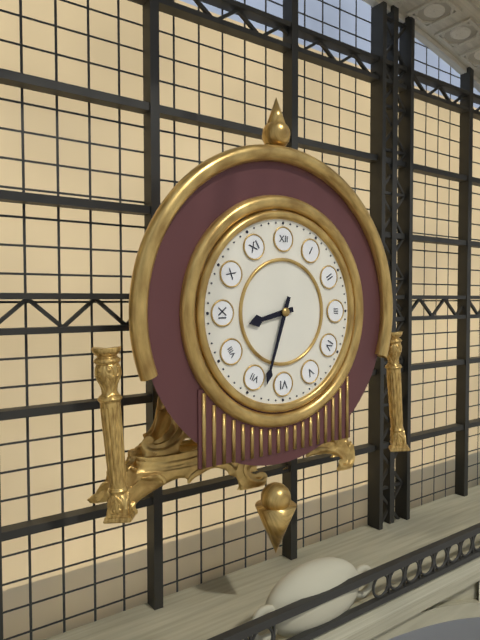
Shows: 8:33
